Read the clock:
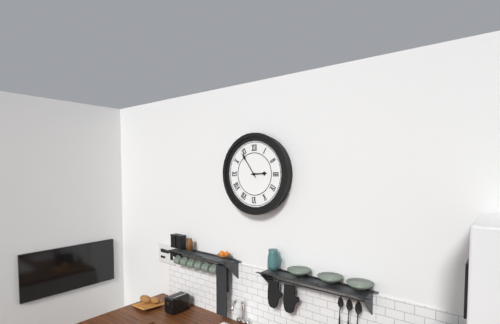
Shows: 2:54
